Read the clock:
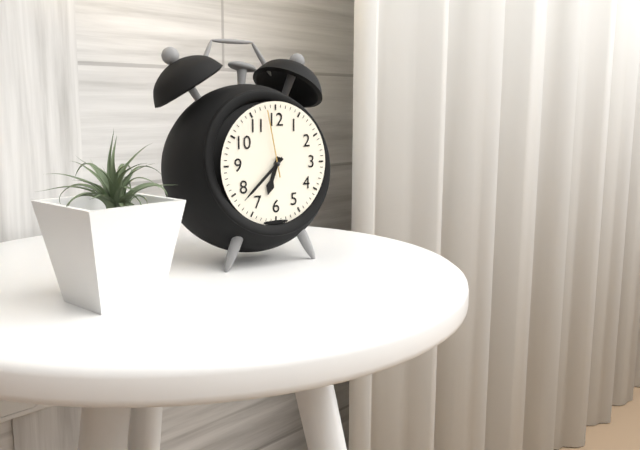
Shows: 6:38:58
